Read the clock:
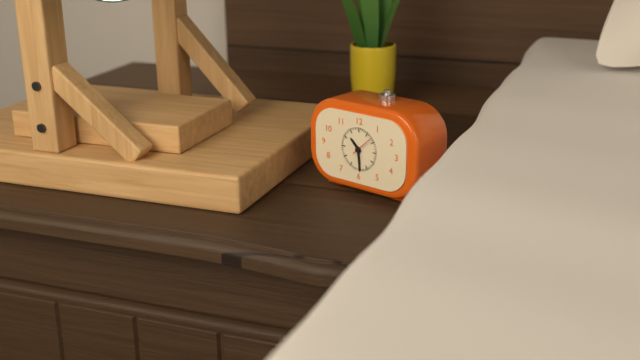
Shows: 10:29
